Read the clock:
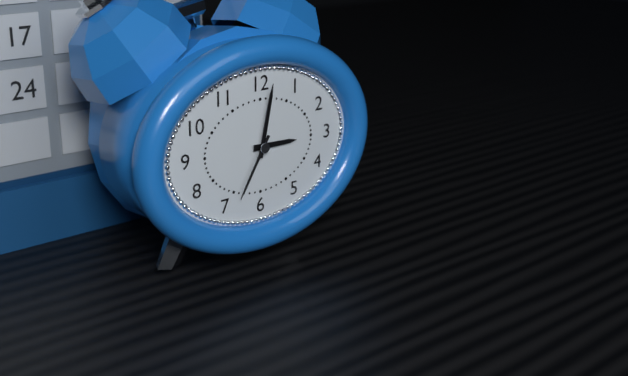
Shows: 3:02:35
